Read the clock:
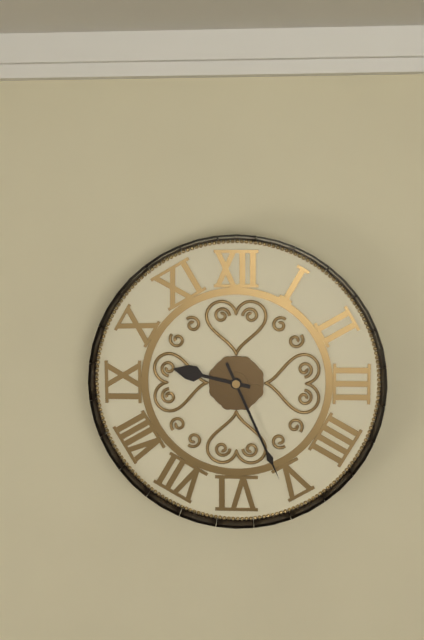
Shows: 9:26
